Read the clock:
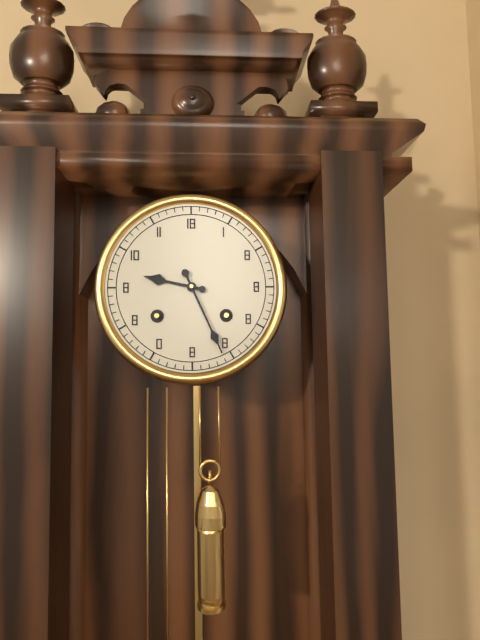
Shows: 9:26
